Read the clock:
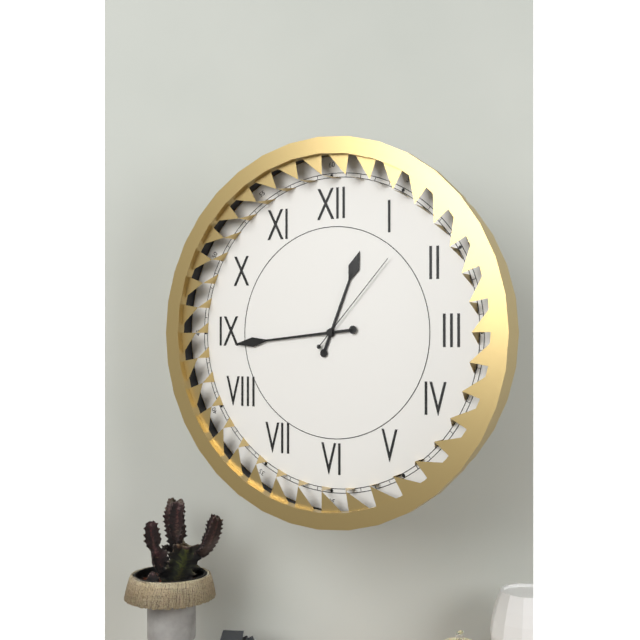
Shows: 12:44:07
